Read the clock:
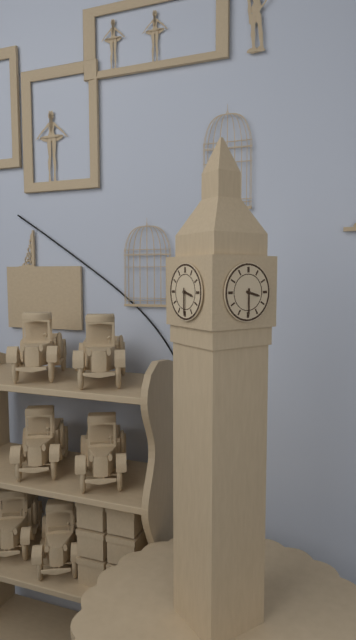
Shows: 3:30
